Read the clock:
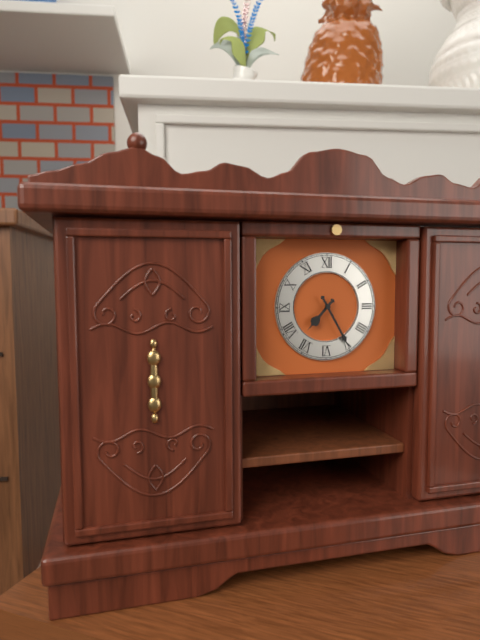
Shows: 7:25
